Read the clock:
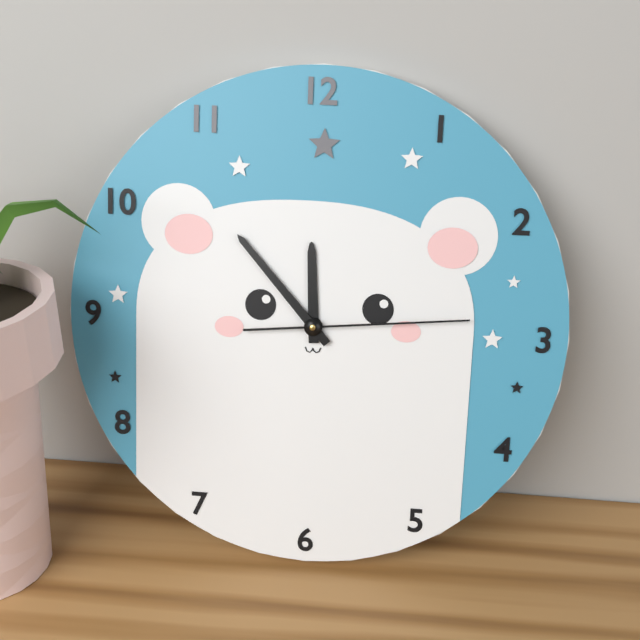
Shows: 11:53:14
